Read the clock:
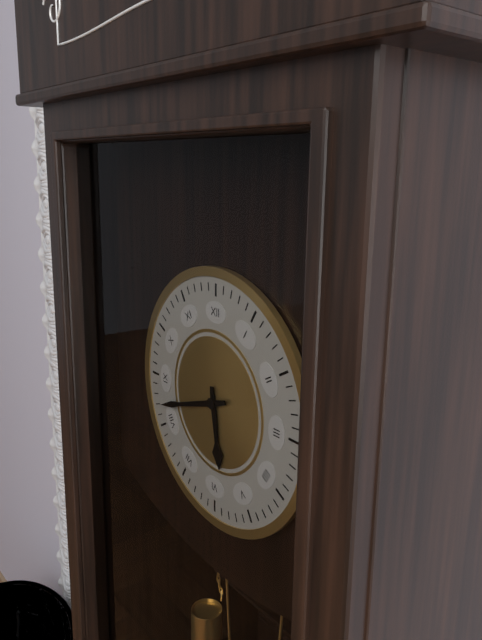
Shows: 5:42
